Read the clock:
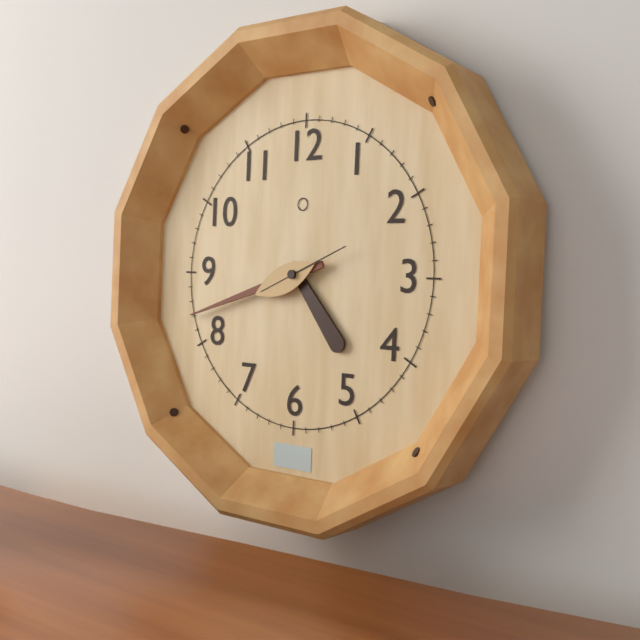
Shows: 4:42
